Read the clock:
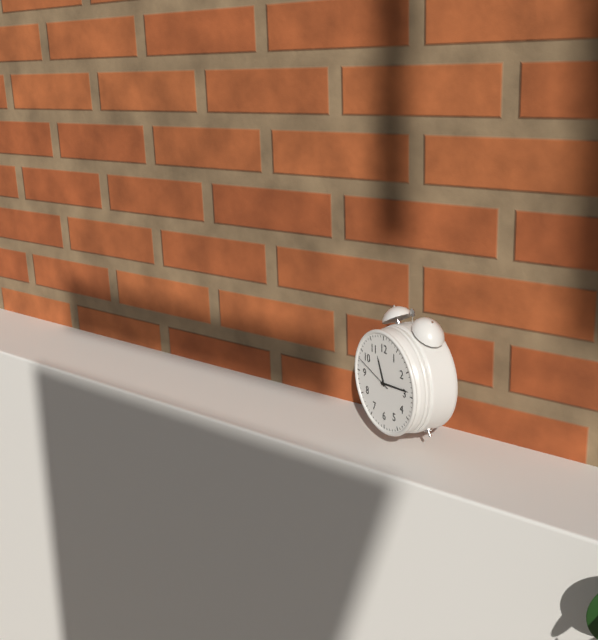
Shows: 11:14
